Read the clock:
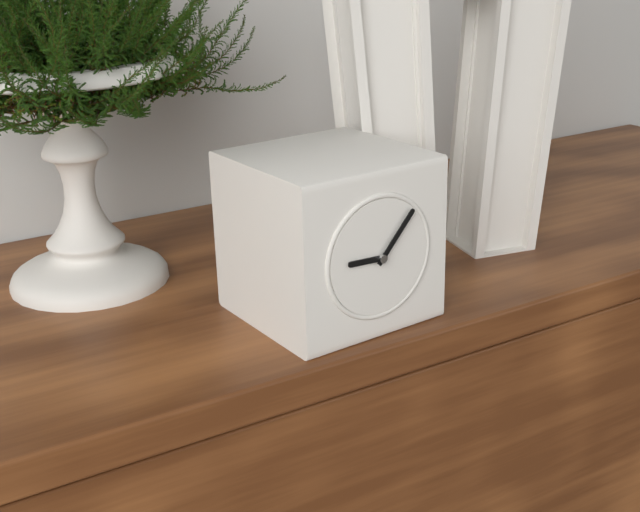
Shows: 9:07
